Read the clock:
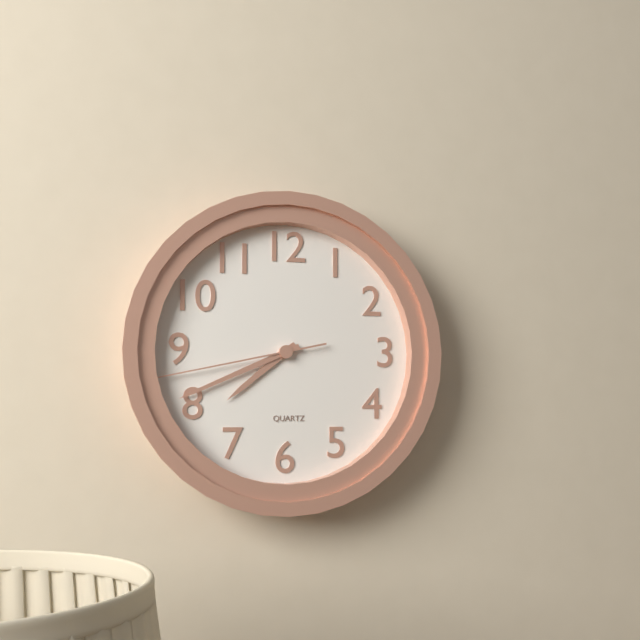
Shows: 7:41:43
